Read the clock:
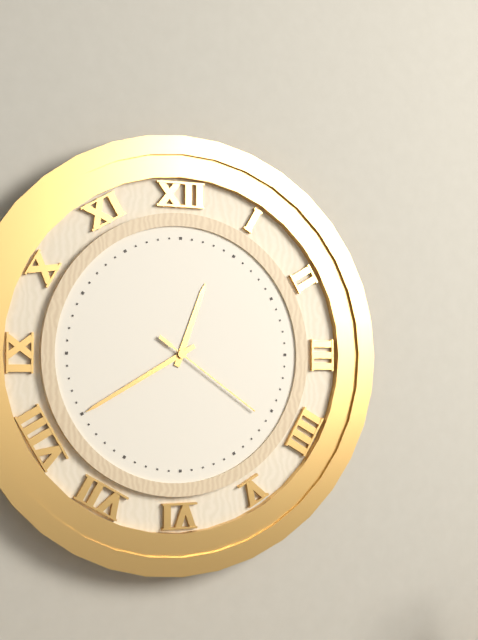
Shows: 12:40:21
